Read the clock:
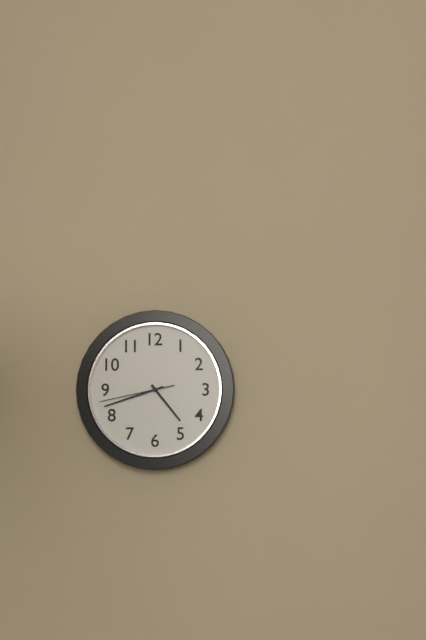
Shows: 4:42:43
